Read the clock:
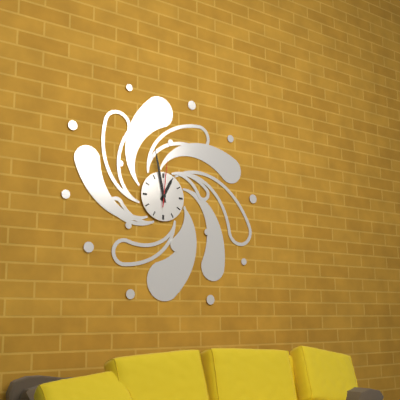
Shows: 12:58
